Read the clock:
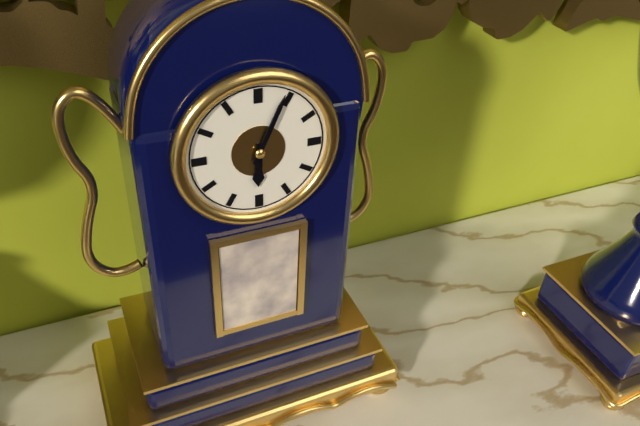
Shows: 6:04
